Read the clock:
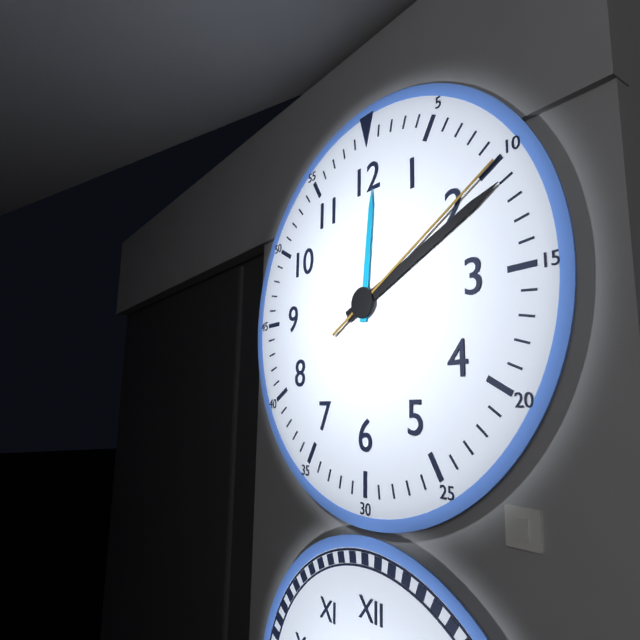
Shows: 12:11:10
